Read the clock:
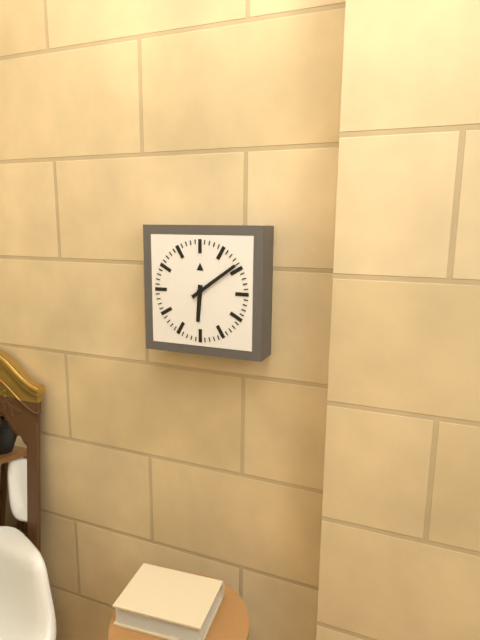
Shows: 6:09
